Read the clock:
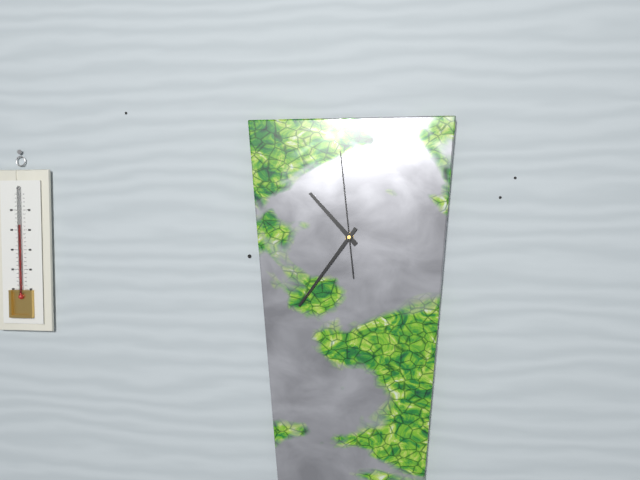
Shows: 10:36:59
